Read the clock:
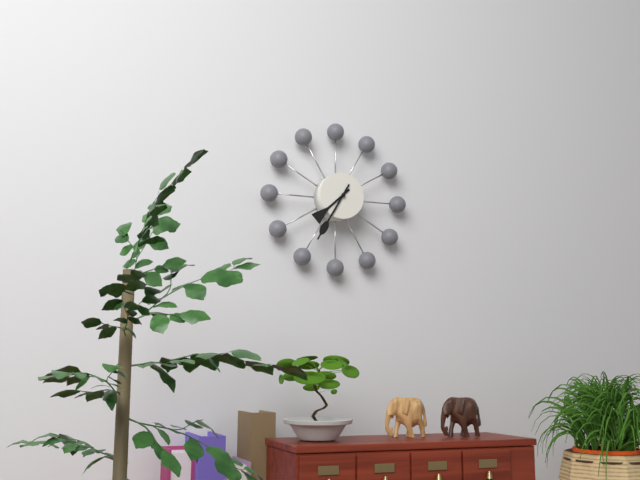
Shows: 7:35
